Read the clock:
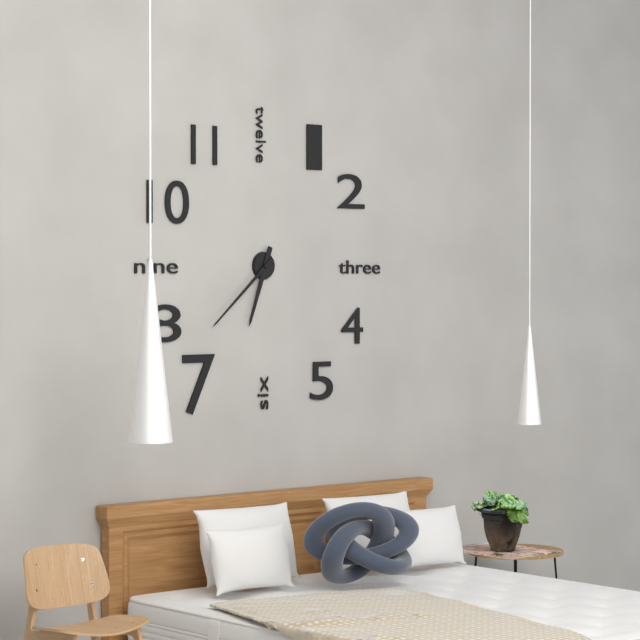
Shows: 6:38
